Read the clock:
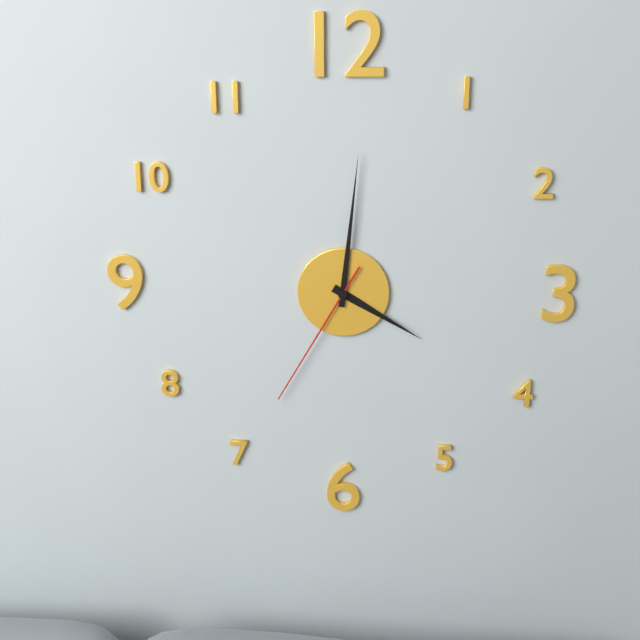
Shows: 4:01:35
